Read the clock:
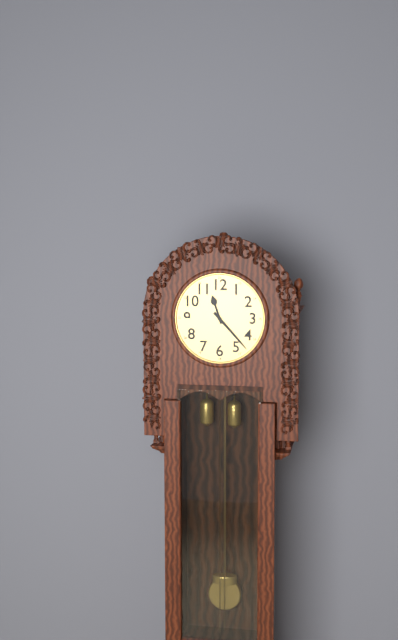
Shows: 11:23
